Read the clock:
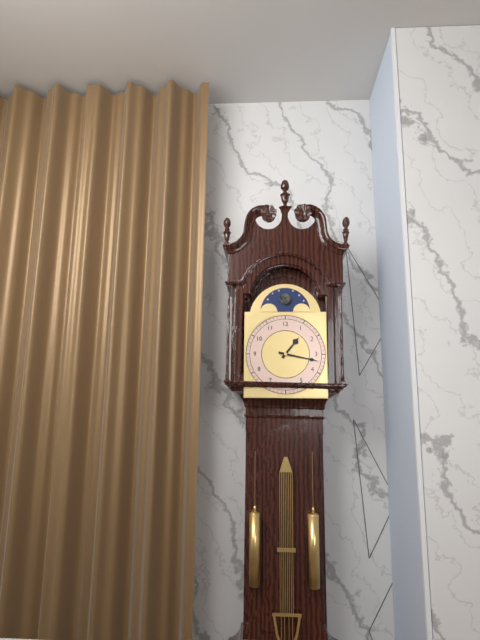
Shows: 1:17
